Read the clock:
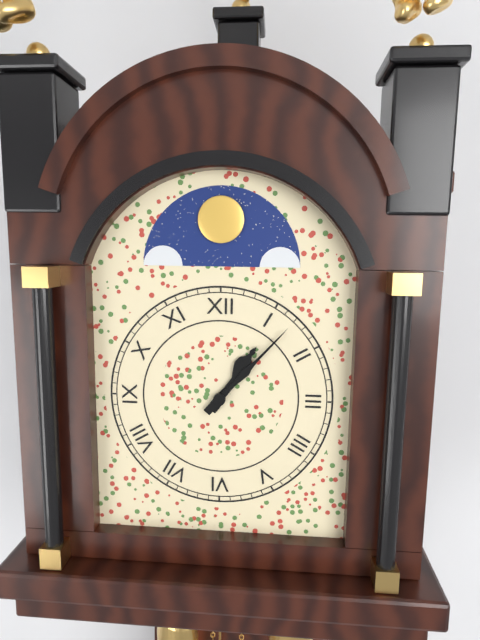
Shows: 1:07
